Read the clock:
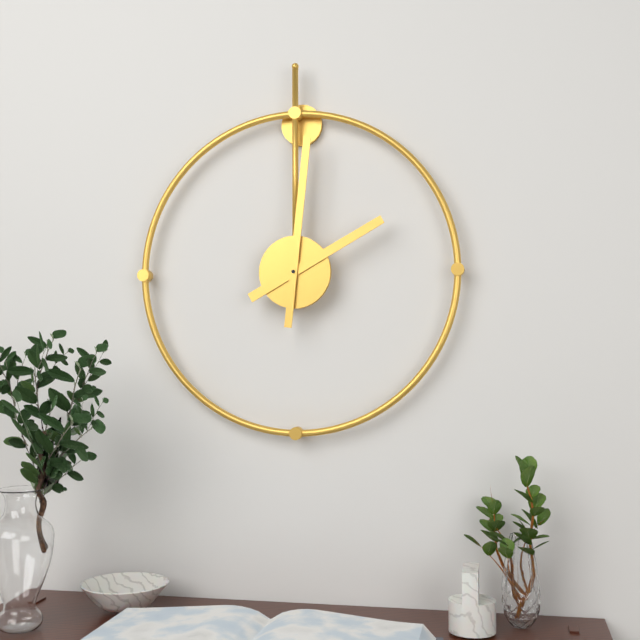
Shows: 2:01
